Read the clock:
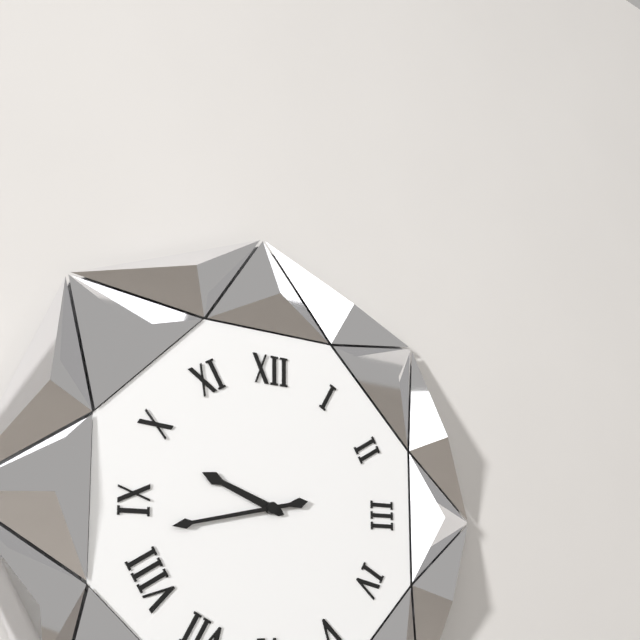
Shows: 9:43
